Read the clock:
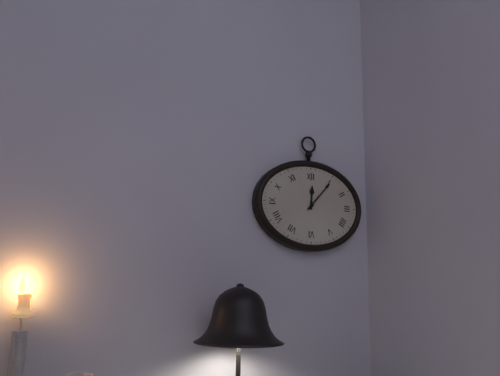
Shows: 12:07
